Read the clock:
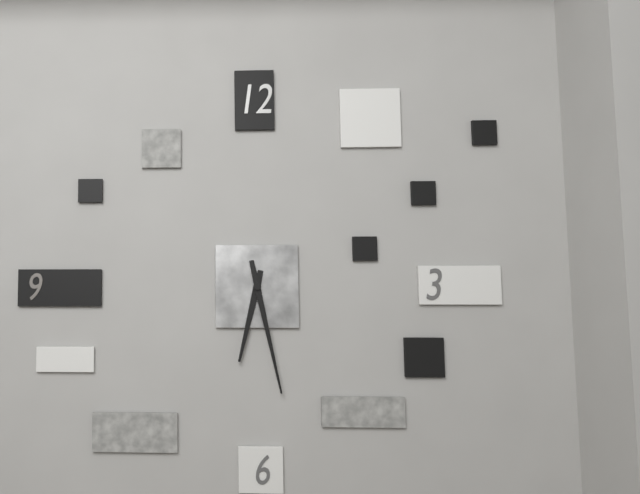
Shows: 6:28
